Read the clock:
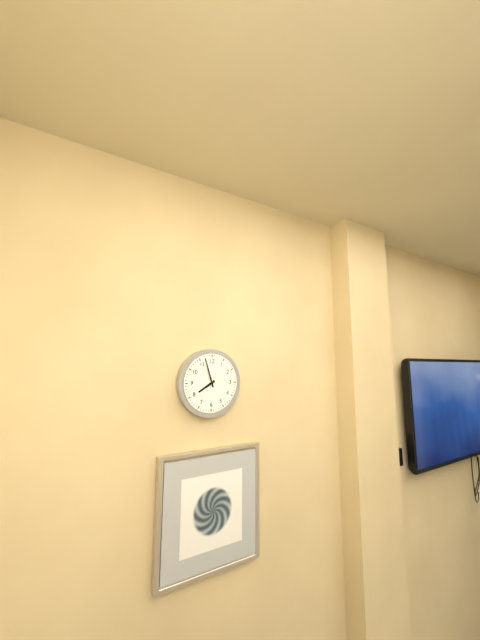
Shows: 7:57
